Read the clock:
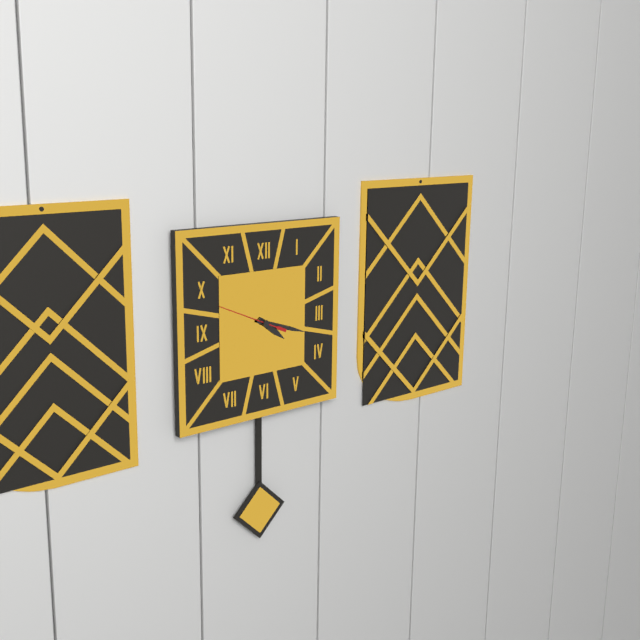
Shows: 4:18:49
